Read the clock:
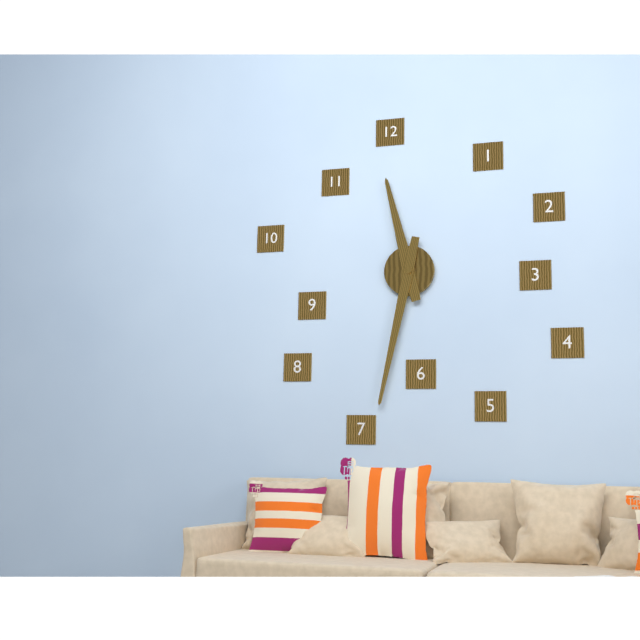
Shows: 11:32
